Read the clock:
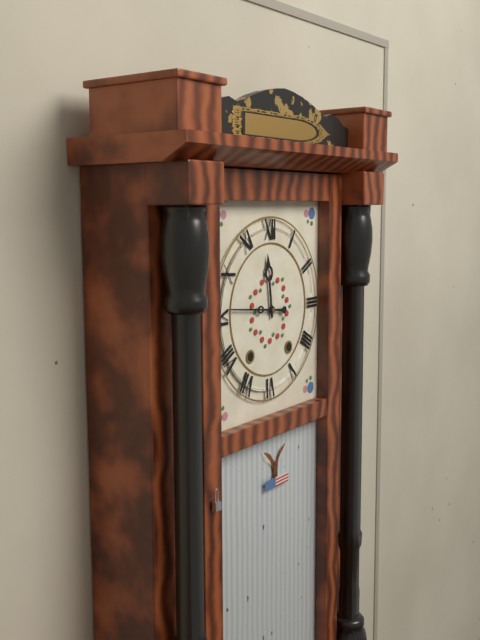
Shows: 11:46
